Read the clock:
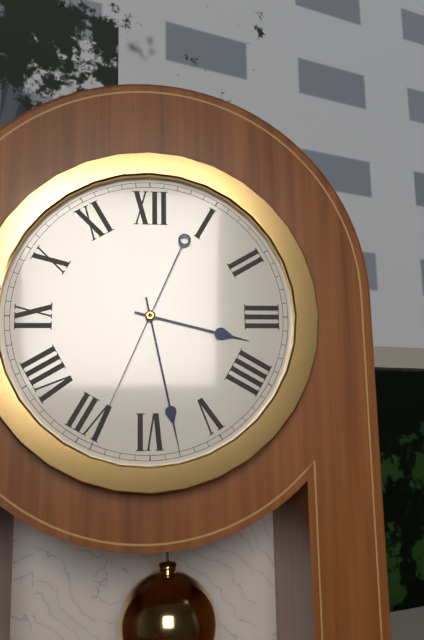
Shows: 3:28:34
